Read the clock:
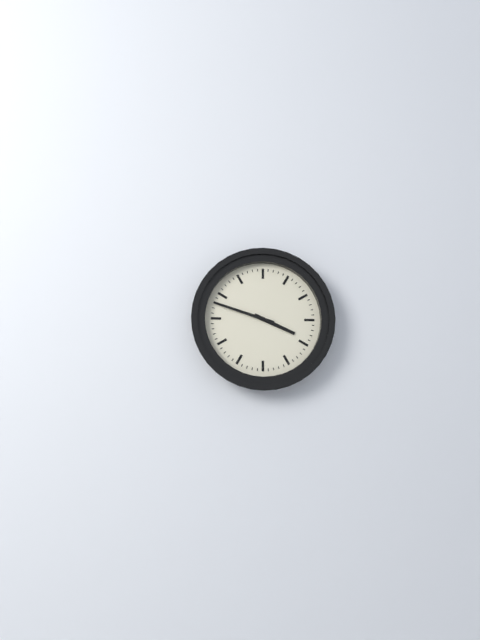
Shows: 3:48
